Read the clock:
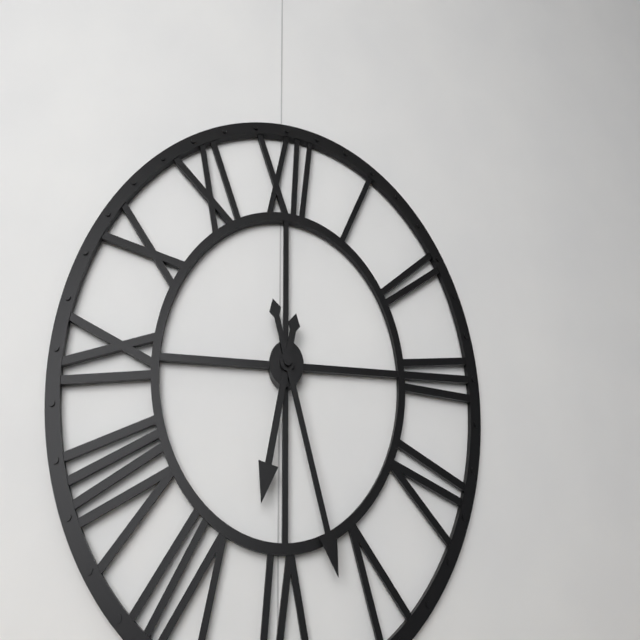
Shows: 6:27
